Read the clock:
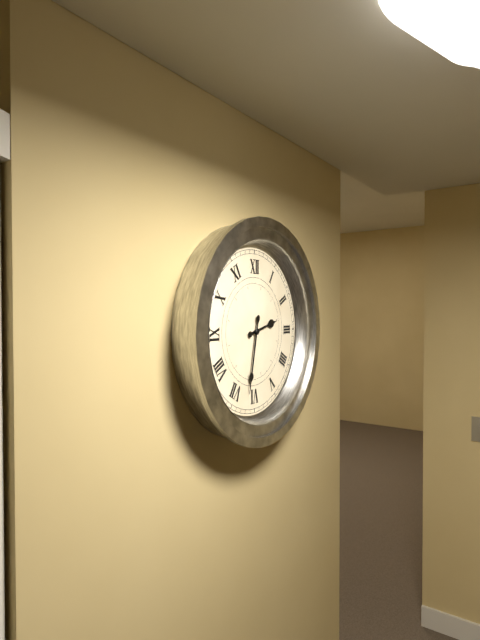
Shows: 2:32
